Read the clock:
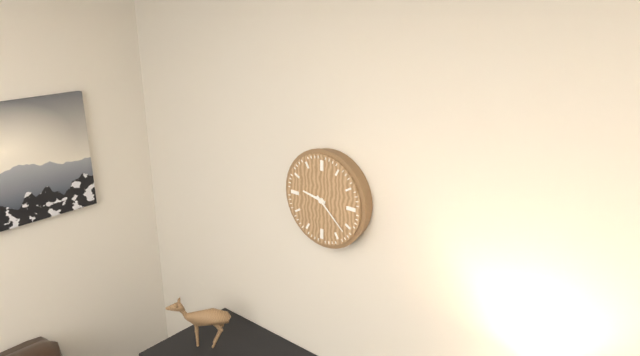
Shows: 9:22
